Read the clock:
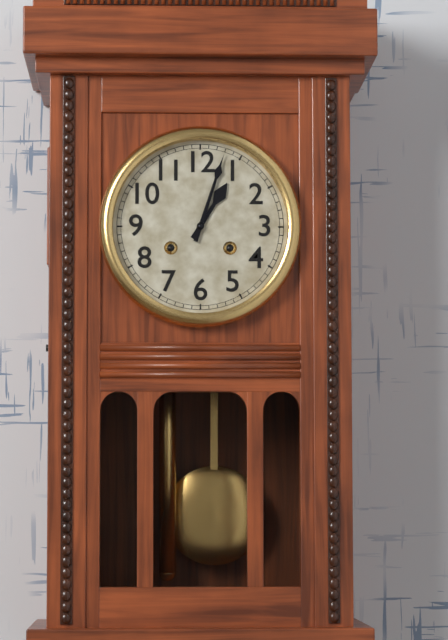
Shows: 1:03
